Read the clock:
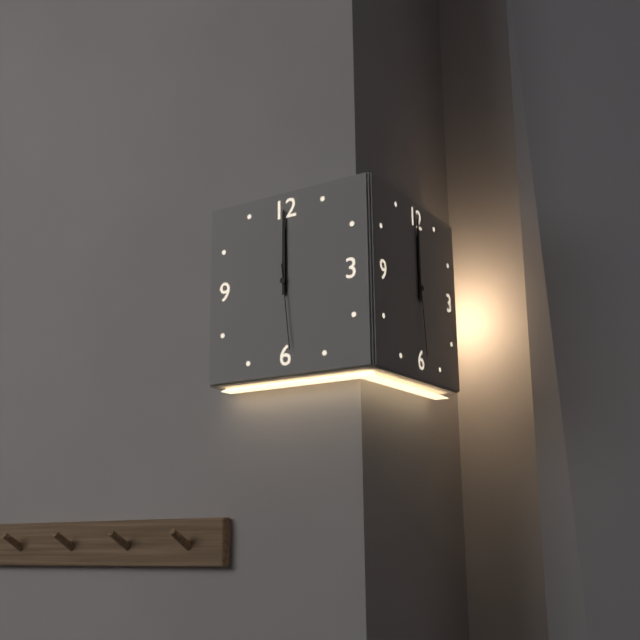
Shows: 12:00:29
